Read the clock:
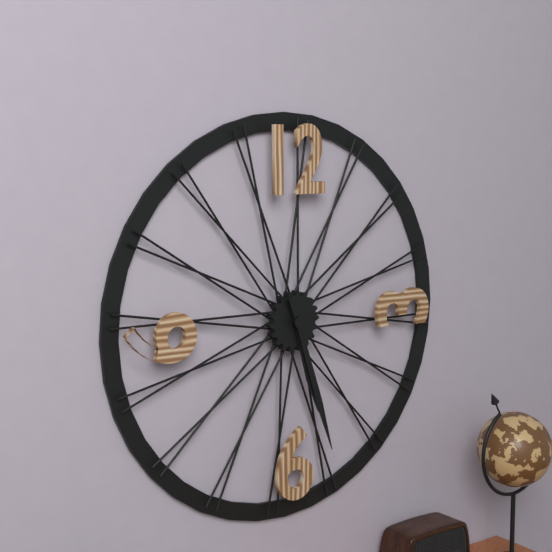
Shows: 5:27
